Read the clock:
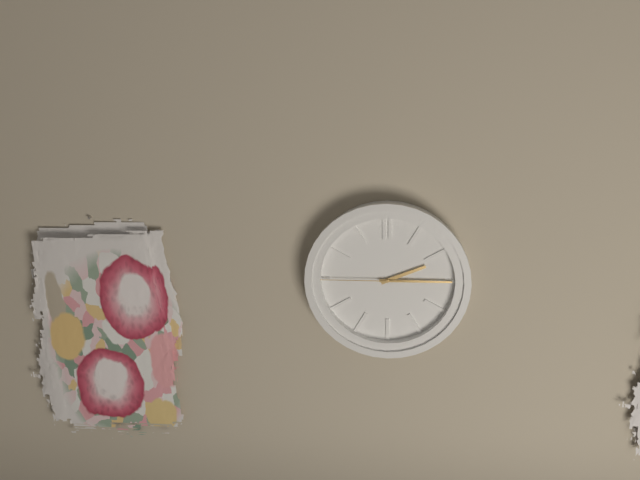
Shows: 2:15:45
